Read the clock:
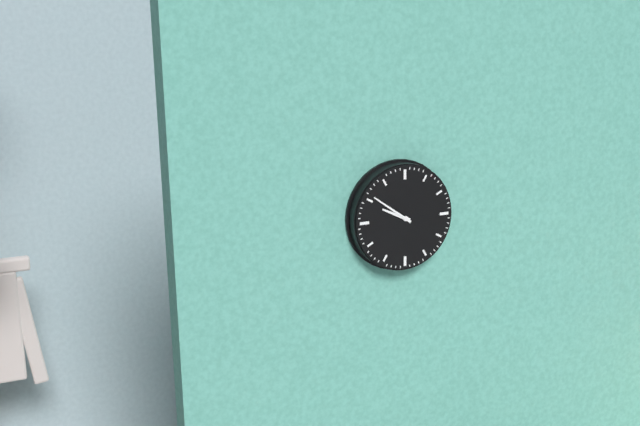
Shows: 9:51
